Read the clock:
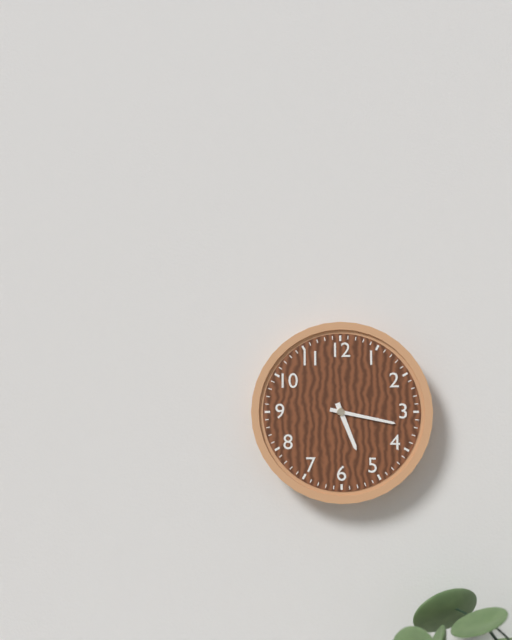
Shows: 5:17
